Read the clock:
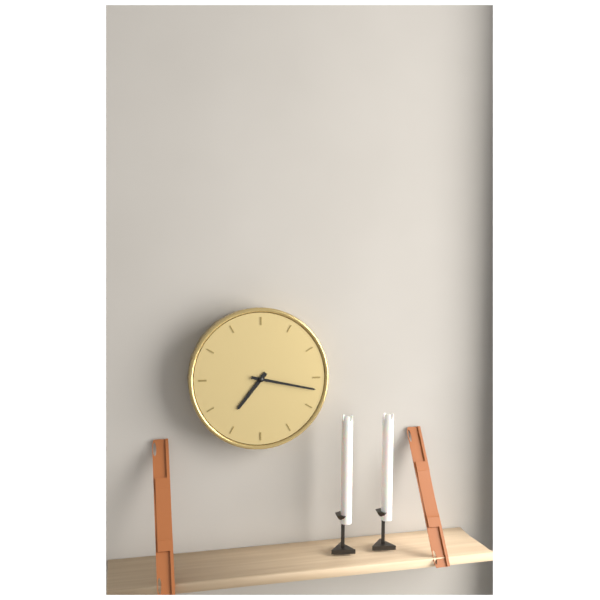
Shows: 7:17
